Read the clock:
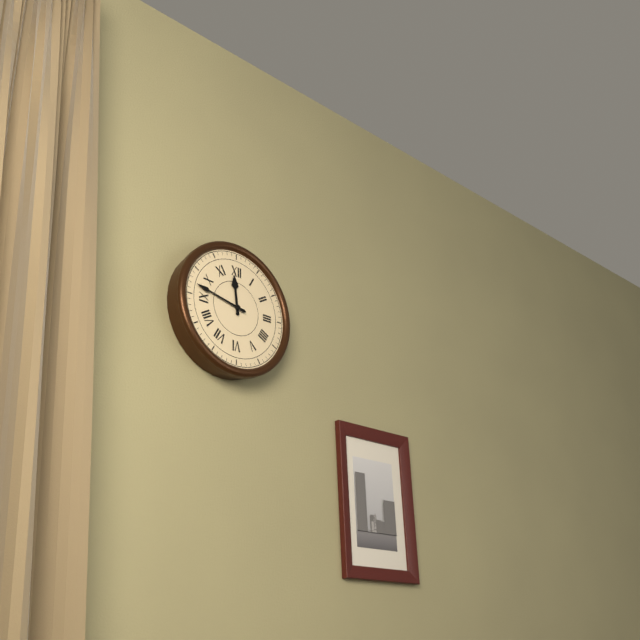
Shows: 11:47
